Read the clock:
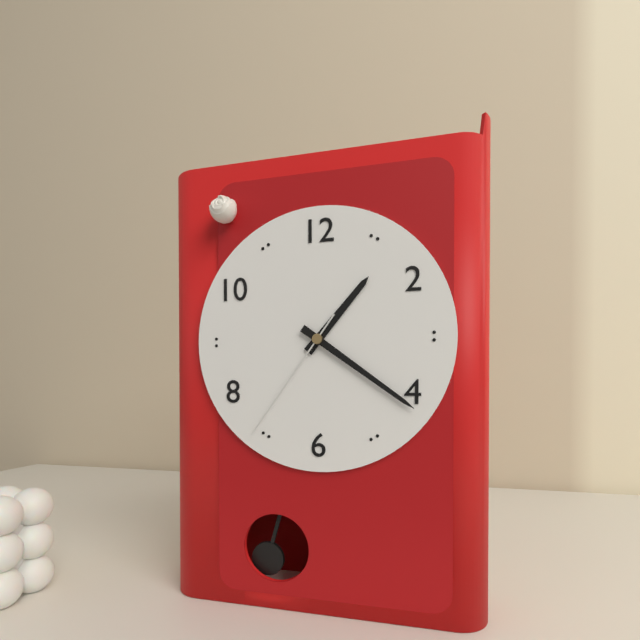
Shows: 1:21:36
